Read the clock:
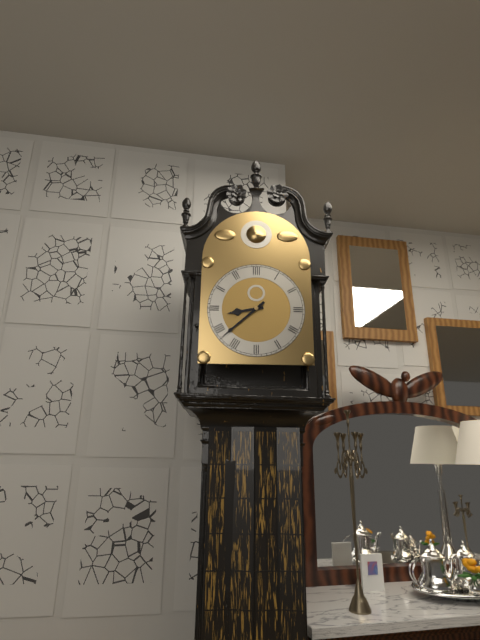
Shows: 8:38
